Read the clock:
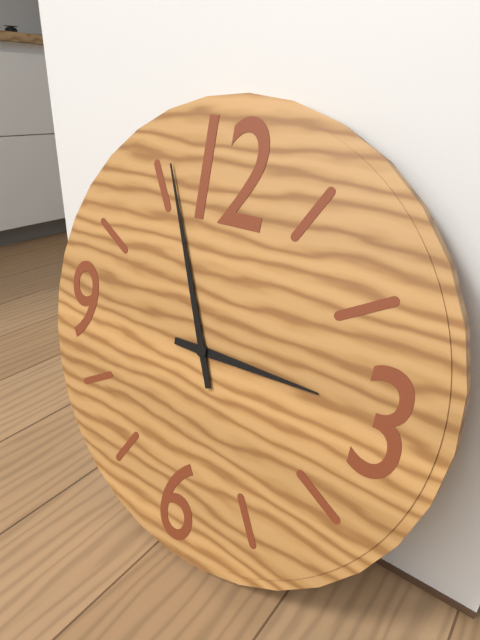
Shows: 2:56
